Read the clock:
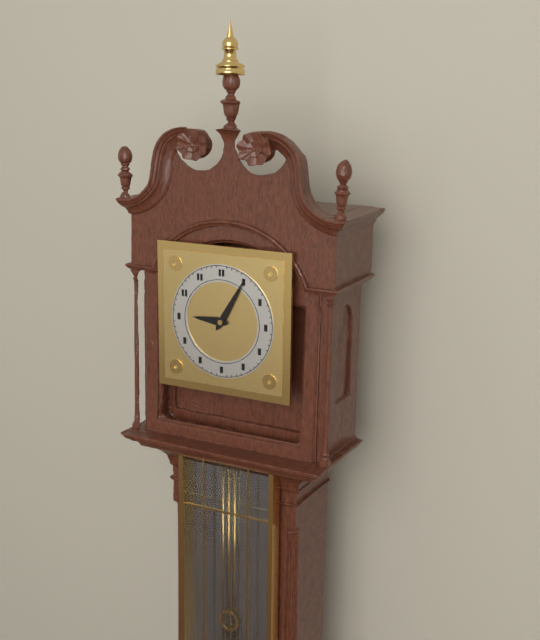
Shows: 9:05
